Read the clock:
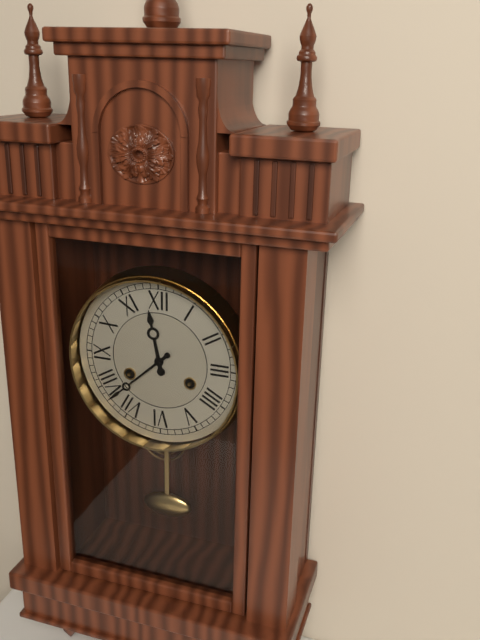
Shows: 11:38
